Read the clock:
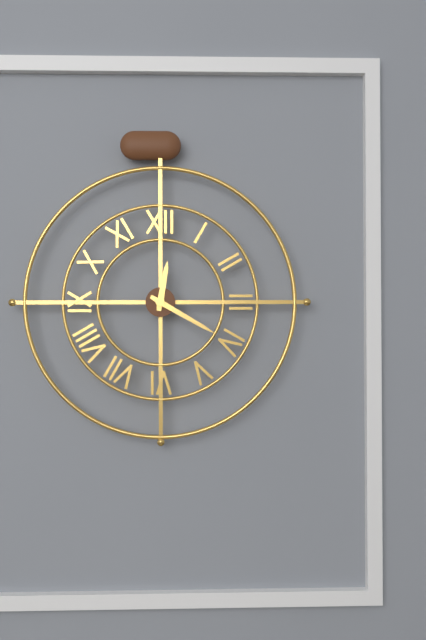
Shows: 12:20
